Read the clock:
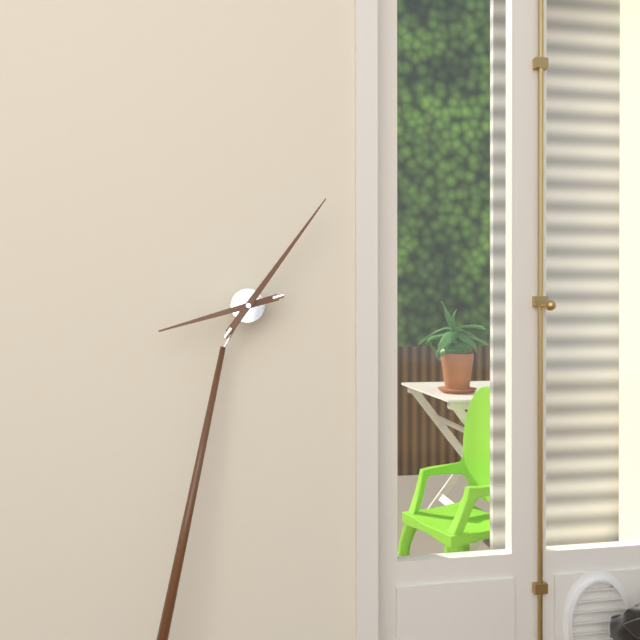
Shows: 8:04
